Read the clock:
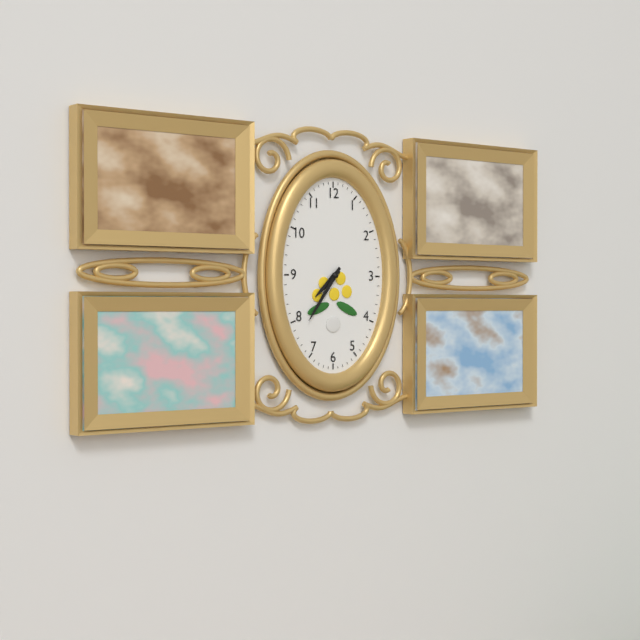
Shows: 7:36
